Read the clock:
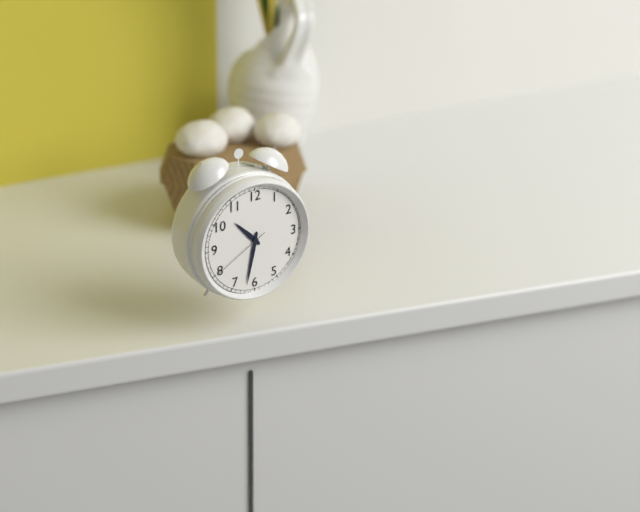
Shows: 10:32:40
